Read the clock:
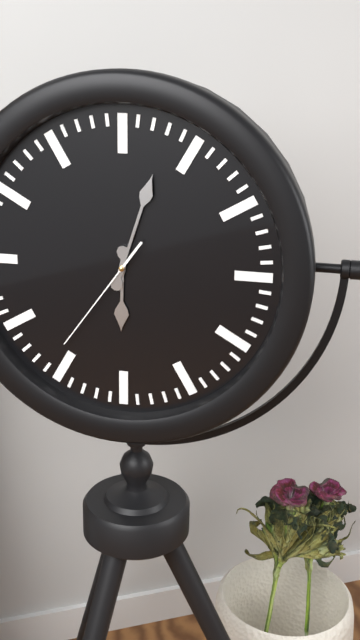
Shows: 6:03:36
